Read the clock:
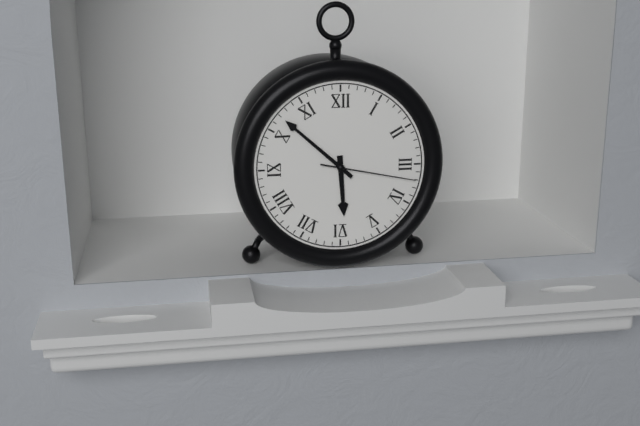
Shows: 5:52:17
